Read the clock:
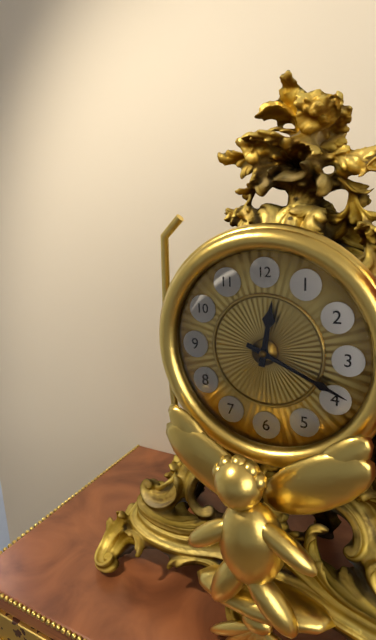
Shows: 12:19
